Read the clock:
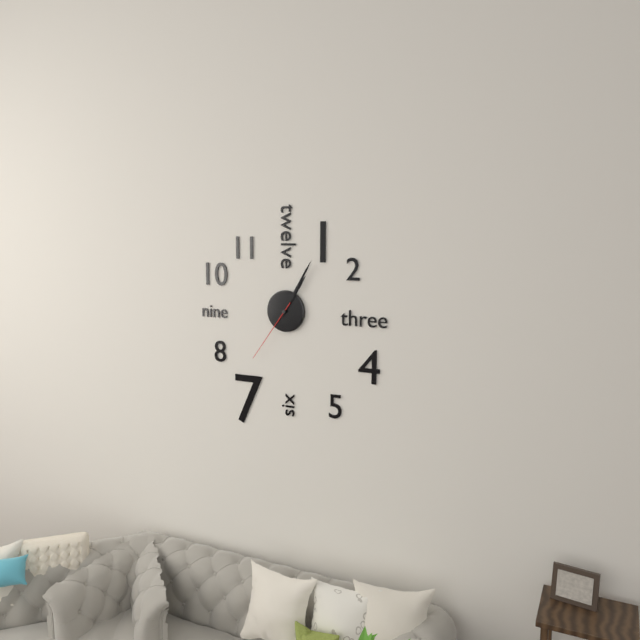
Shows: 1:05:36
